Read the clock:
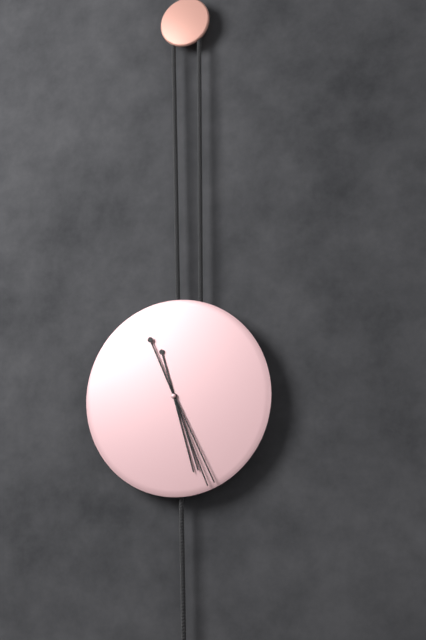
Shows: 5:26
